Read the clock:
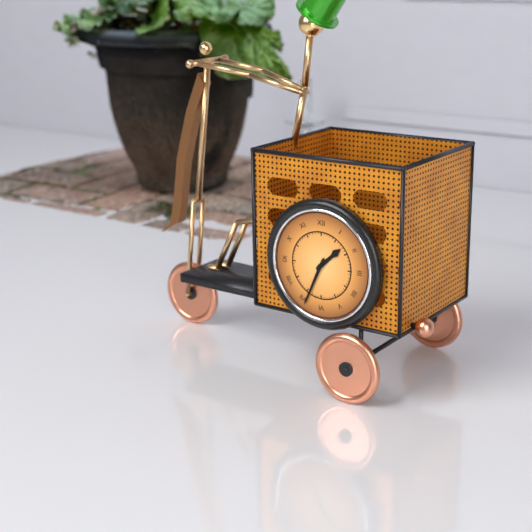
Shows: 1:34
